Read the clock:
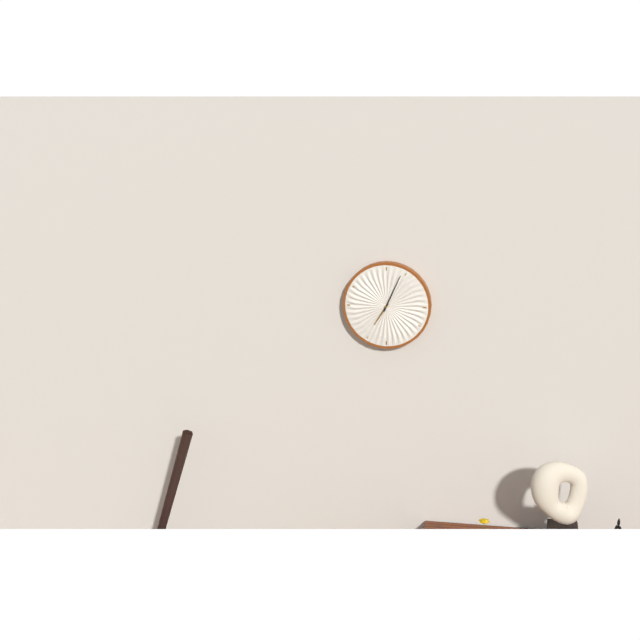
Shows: 7:04
